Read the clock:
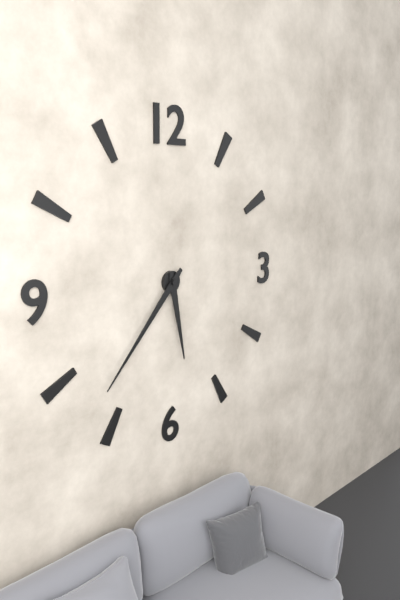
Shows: 5:37
